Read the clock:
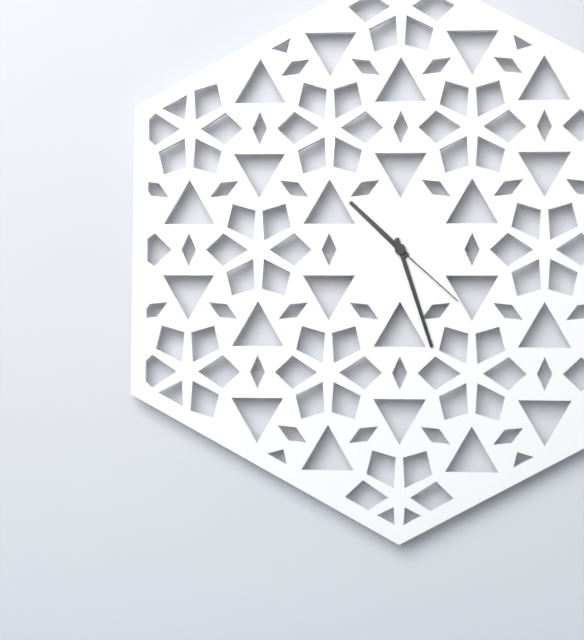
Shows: 10:27:22
